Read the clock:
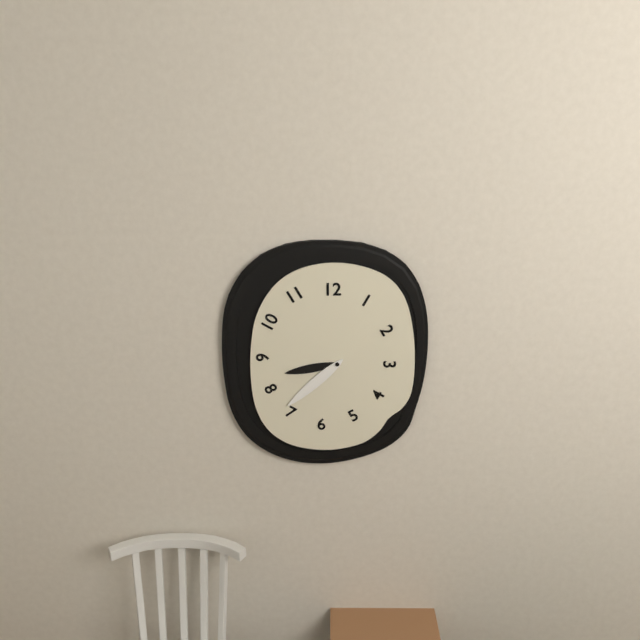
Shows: 8:38
